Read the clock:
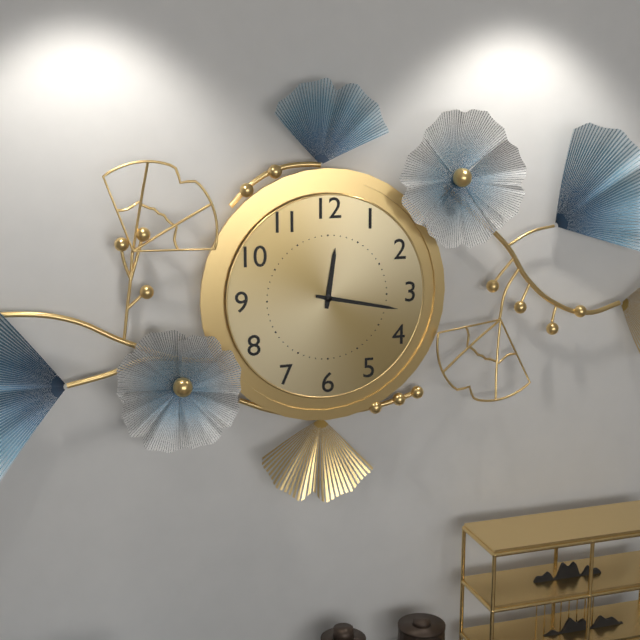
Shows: 12:17
